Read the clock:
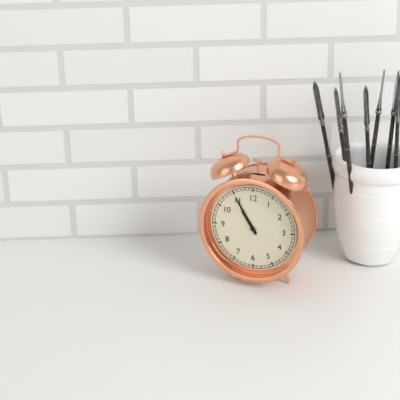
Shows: 10:55
